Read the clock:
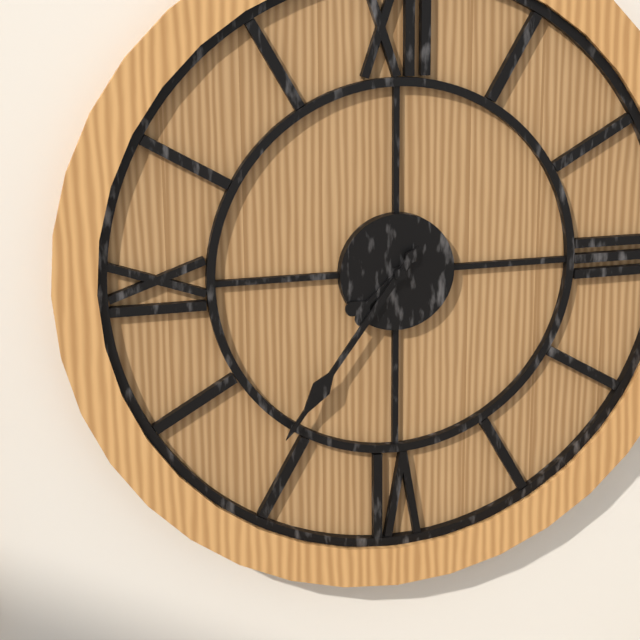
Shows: 7:36
